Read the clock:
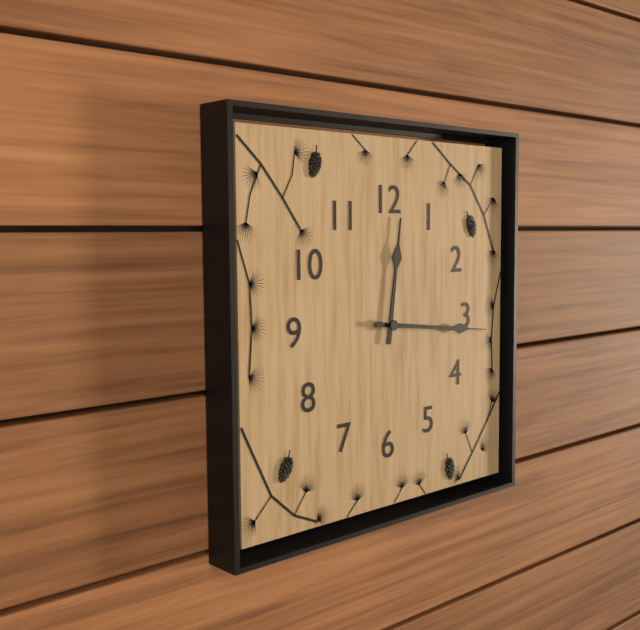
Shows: 12:16
